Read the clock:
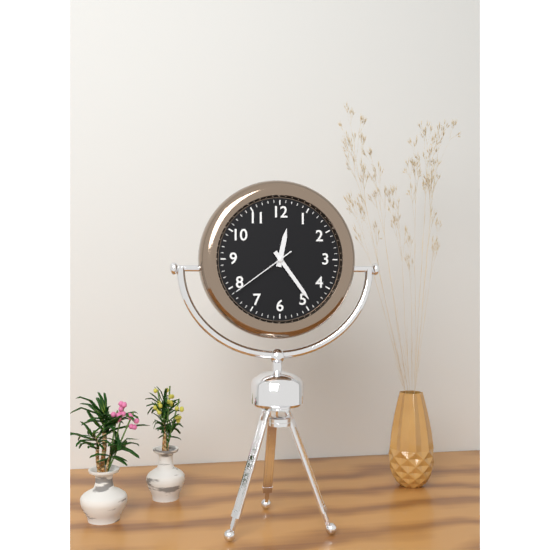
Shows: 12:24:39
